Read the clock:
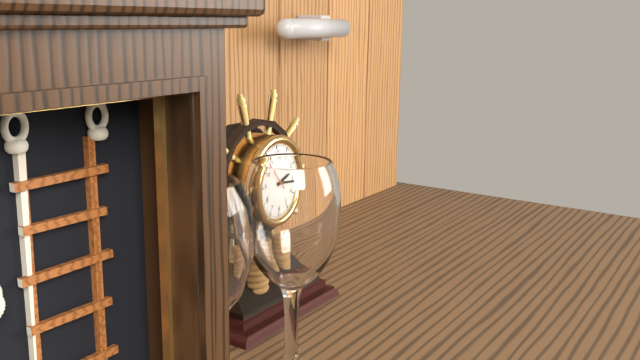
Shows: 2:16
